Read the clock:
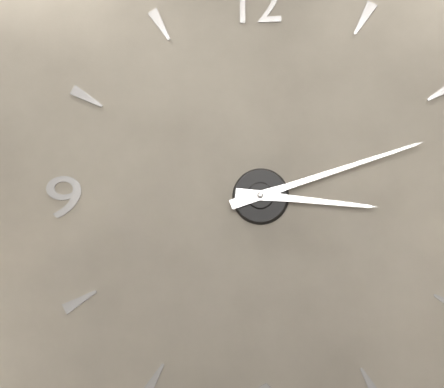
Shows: 3:12
